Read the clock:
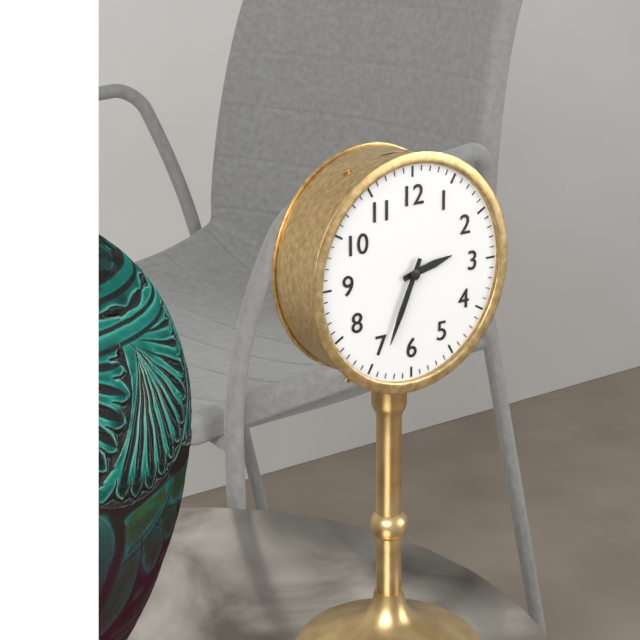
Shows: 2:34
